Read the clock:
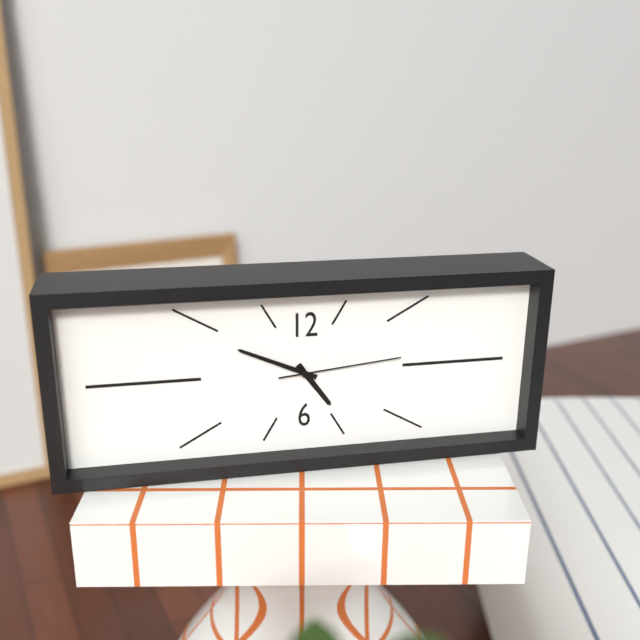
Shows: 4:49:14
